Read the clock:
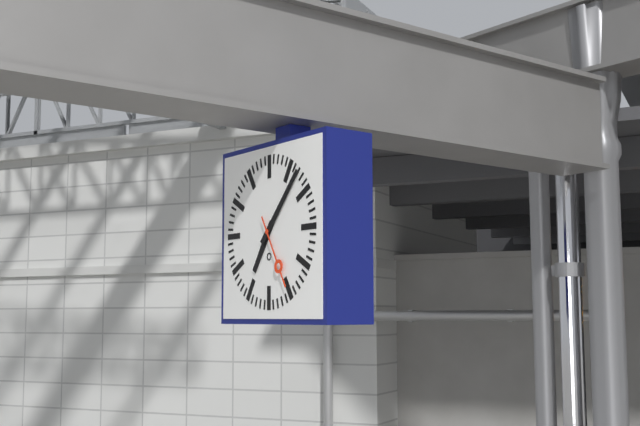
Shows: 7:07:25
